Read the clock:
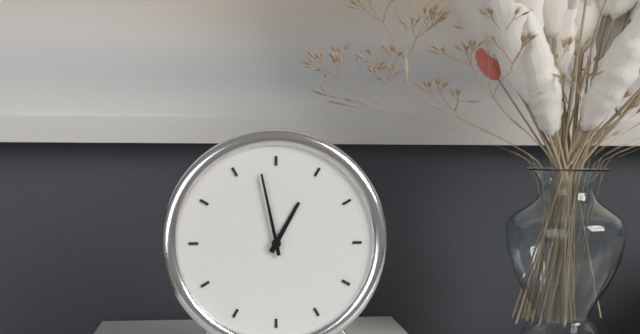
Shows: 12:58
